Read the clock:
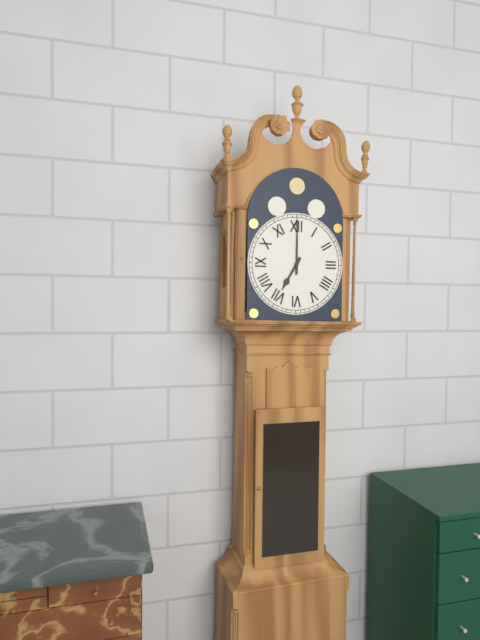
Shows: 7:00
